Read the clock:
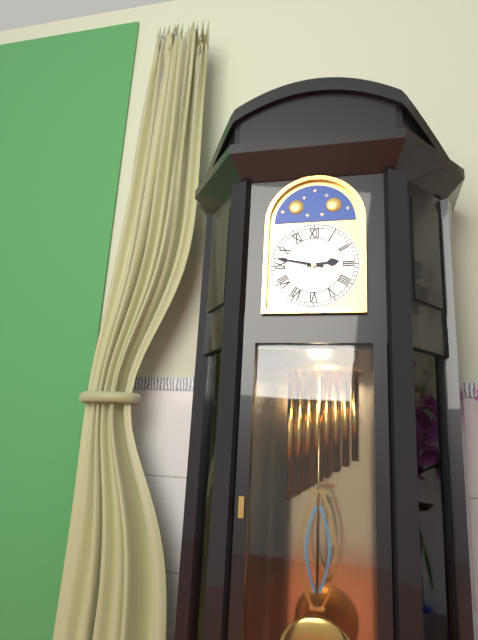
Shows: 2:47
